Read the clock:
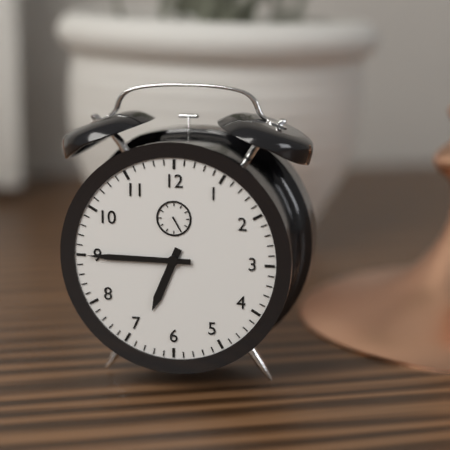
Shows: 6:45
